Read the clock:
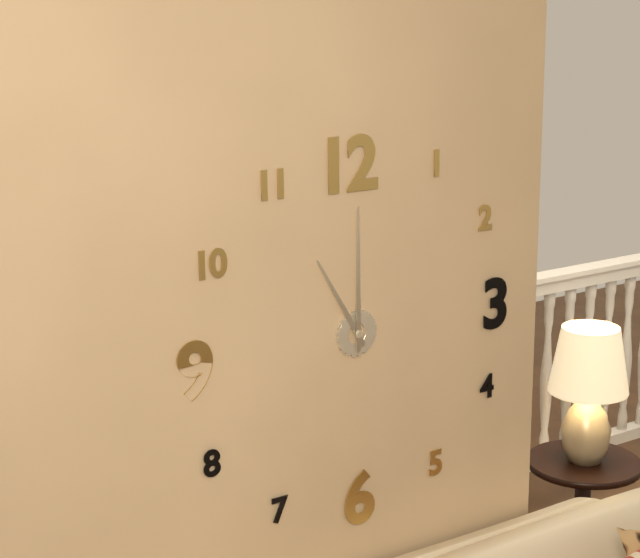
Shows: 11:00
